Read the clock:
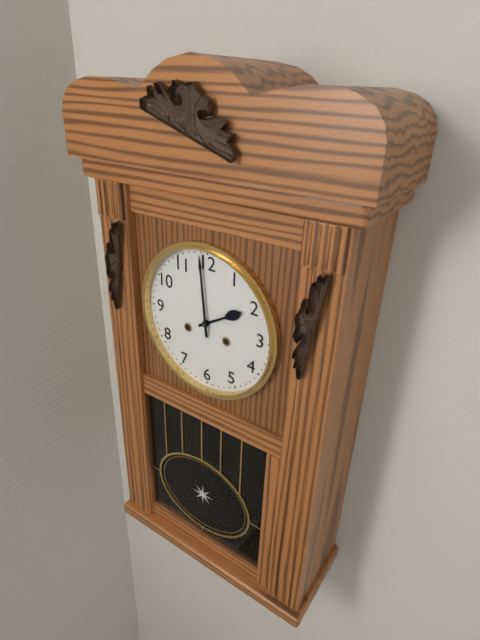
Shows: 1:59
